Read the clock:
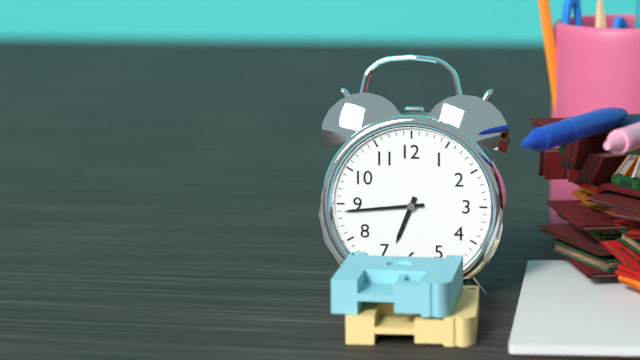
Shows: 6:44
